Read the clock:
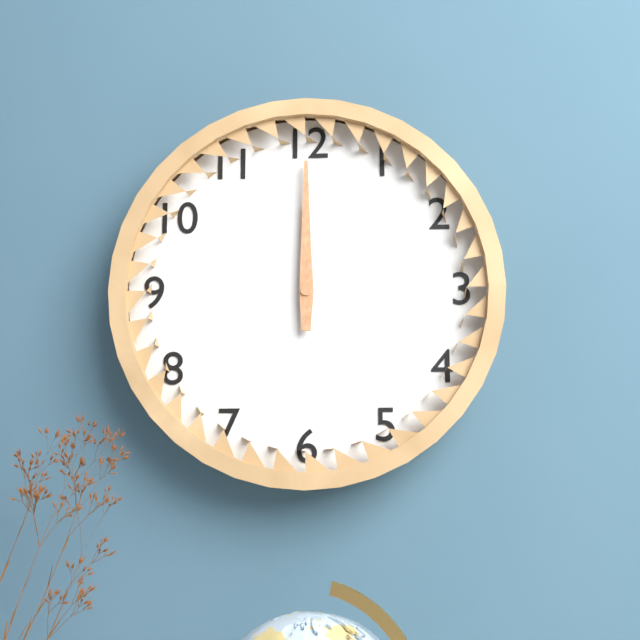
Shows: 12:00
